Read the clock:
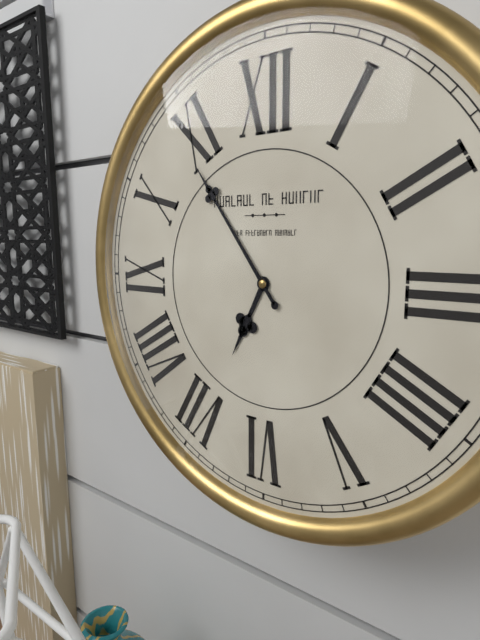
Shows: 6:54
